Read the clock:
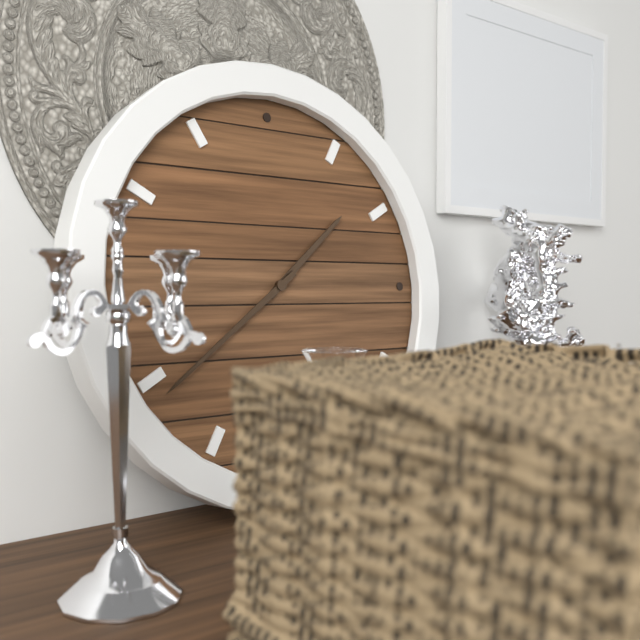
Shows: 1:39
